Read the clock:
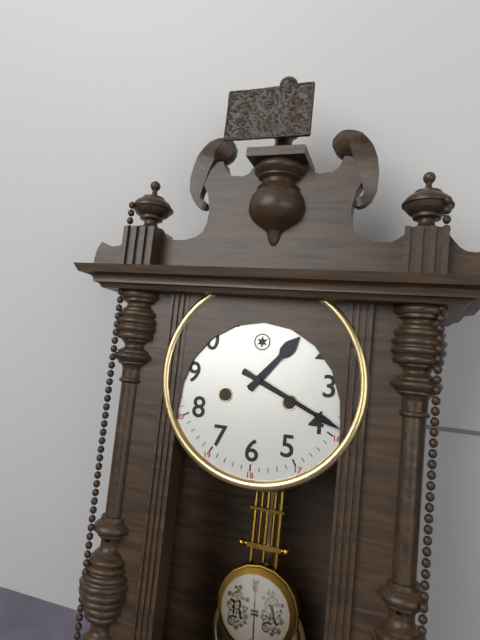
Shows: 1:19
